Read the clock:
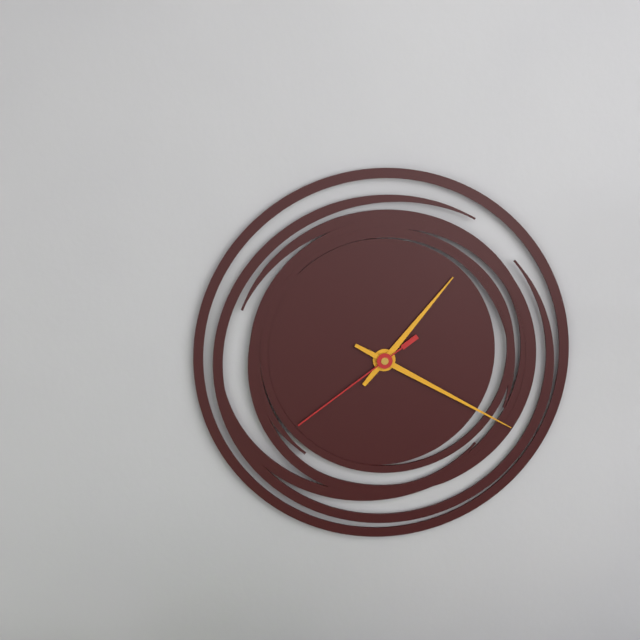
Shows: 1:20:39
